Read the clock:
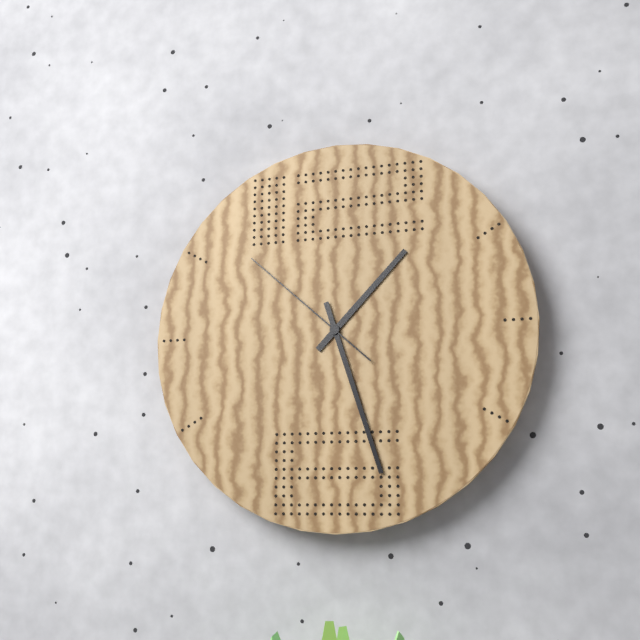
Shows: 1:27:52
